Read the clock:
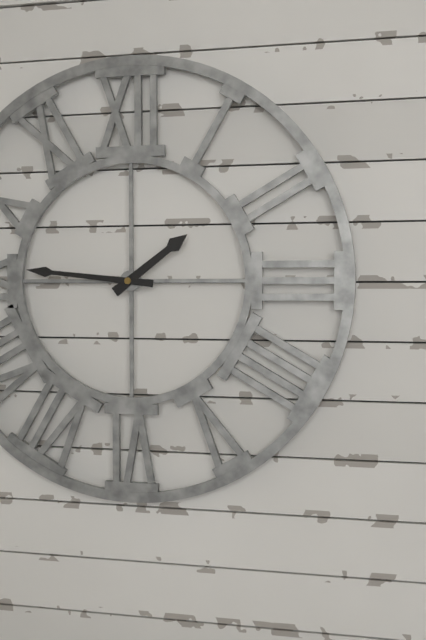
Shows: 1:46
